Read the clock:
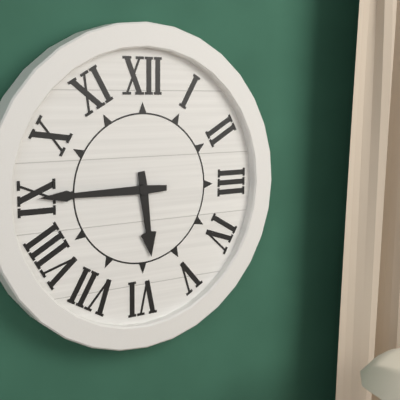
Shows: 5:45
